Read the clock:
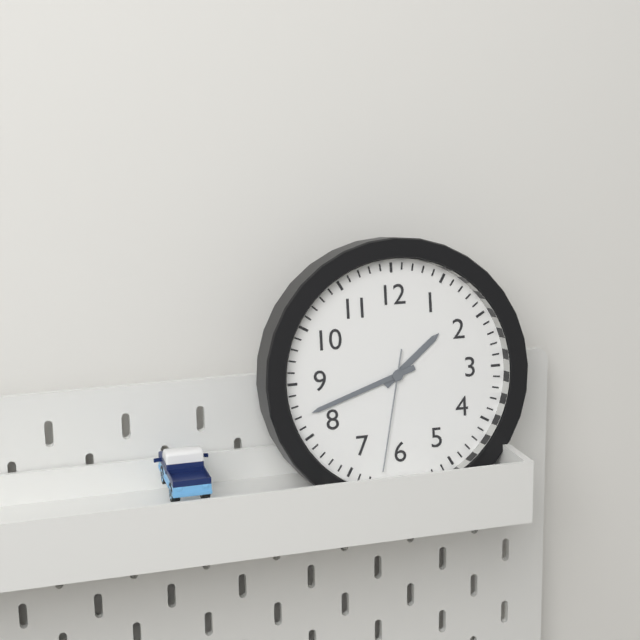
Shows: 1:42:32
